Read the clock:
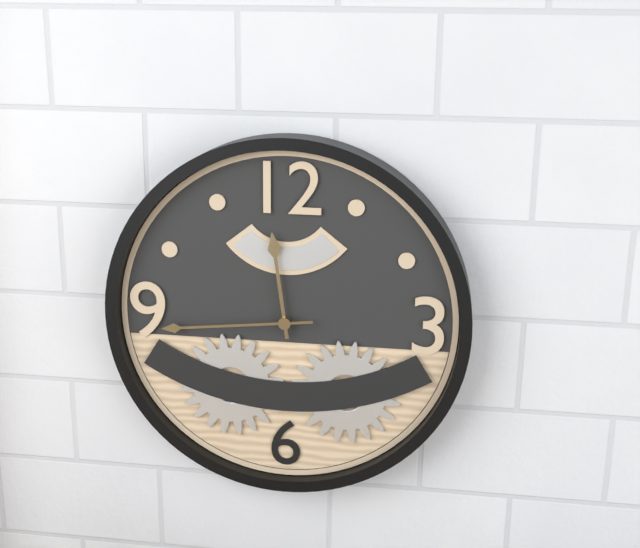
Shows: 11:44
